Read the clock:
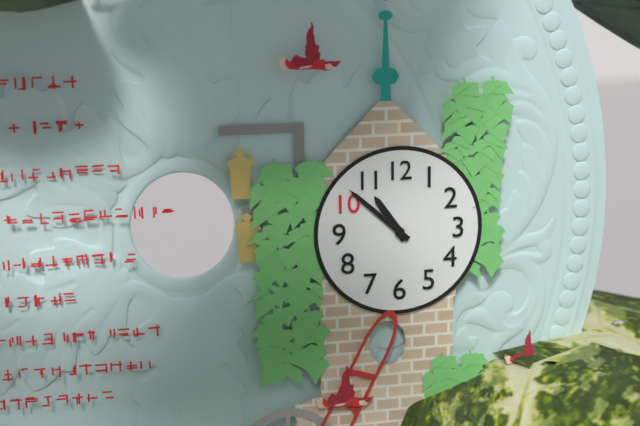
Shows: 10:52
